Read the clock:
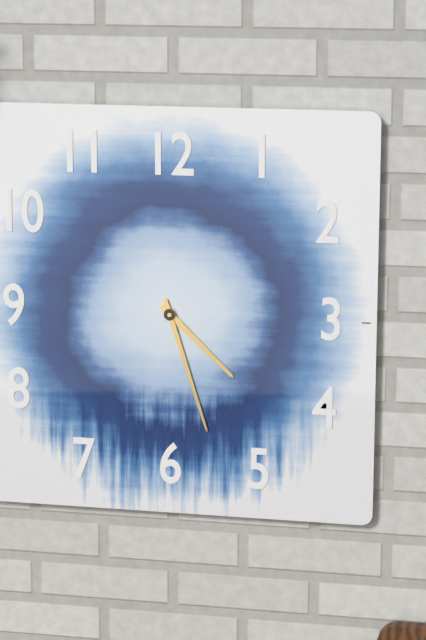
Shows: 4:27
